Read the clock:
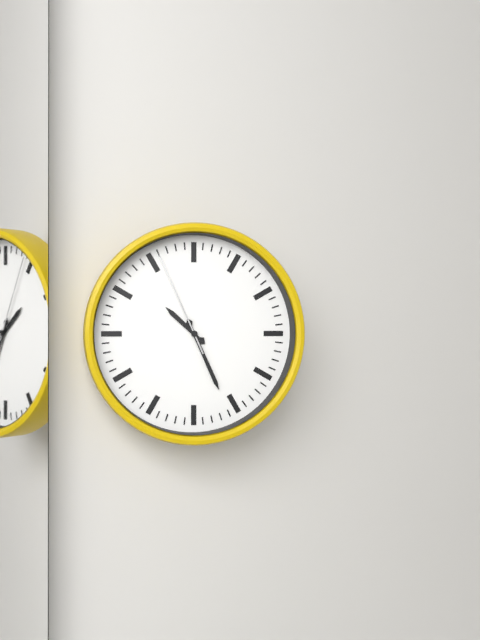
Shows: 10:26:56
